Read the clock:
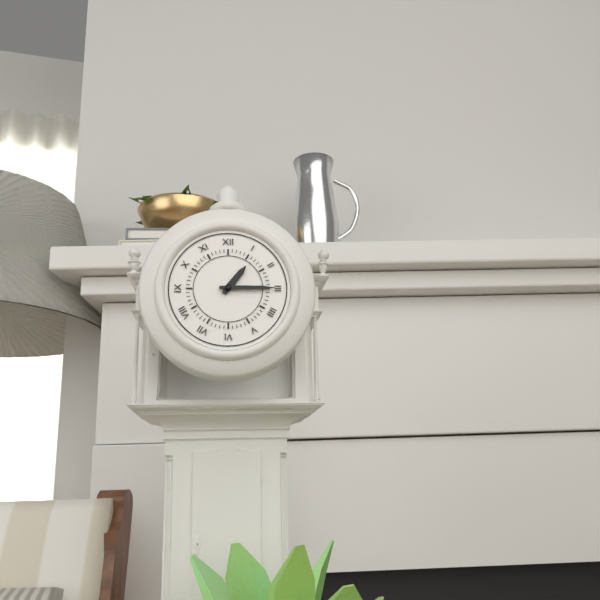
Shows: 1:15
